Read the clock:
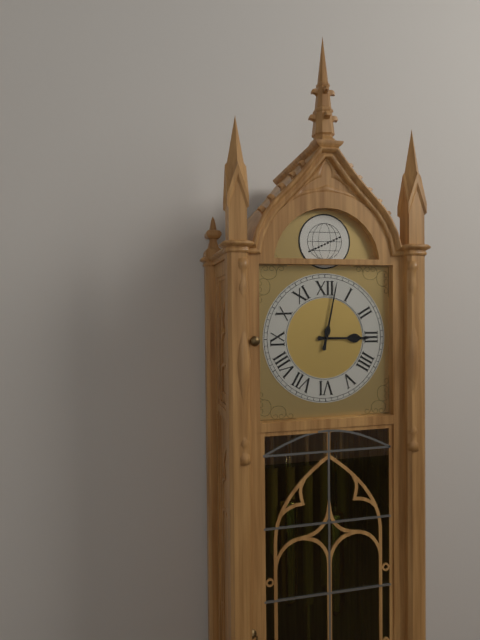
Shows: 3:02
